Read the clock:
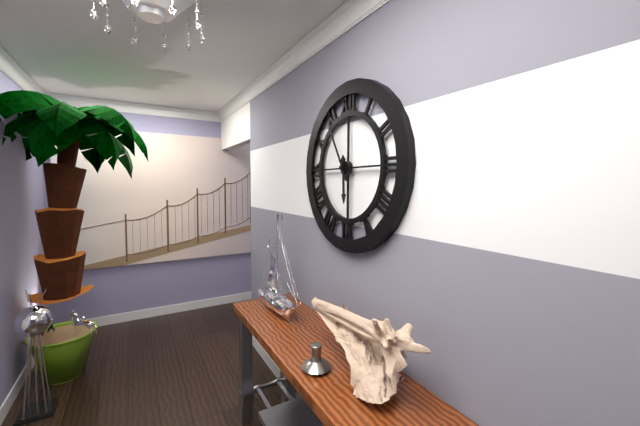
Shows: 5:55
